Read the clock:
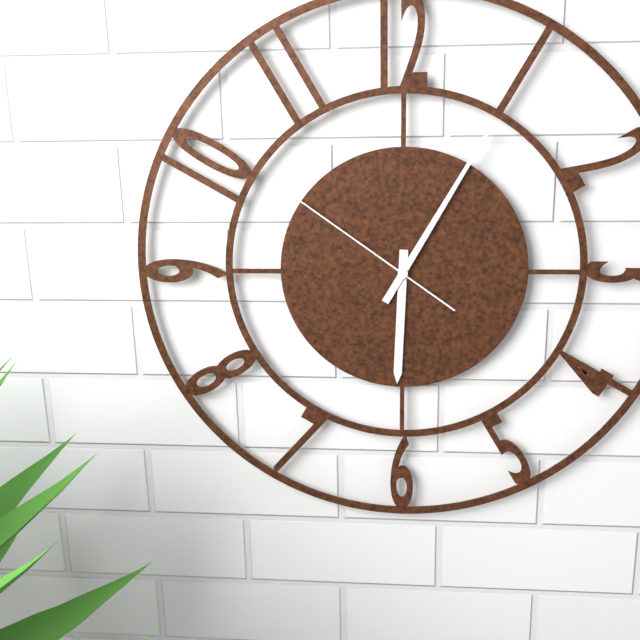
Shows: 6:05:51
